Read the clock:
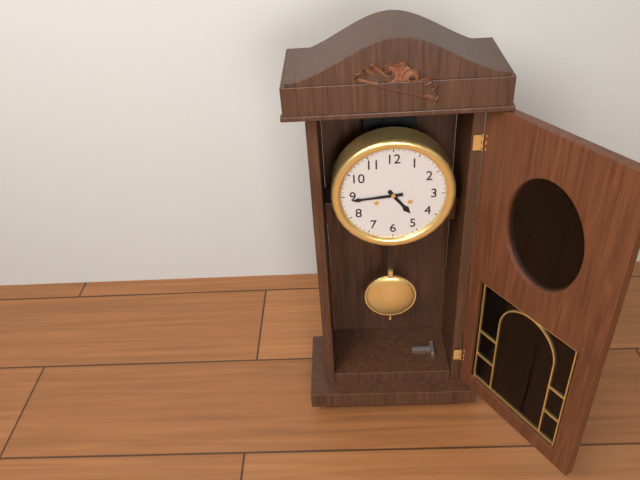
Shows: 4:44
